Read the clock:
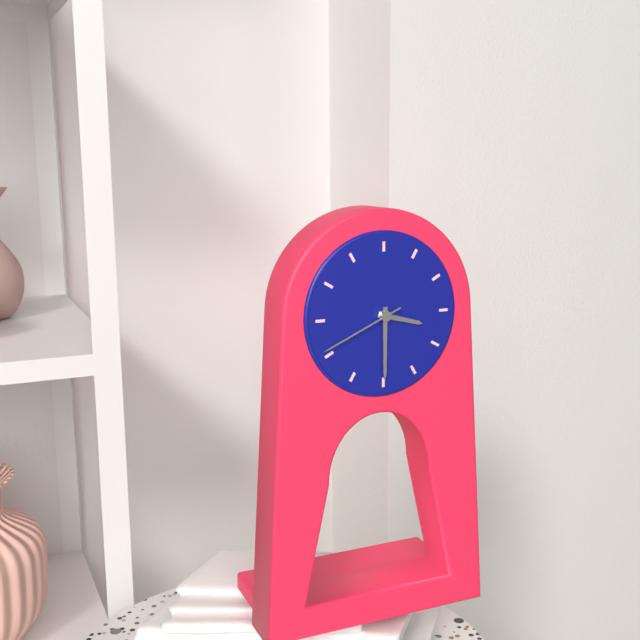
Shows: 3:30:41
